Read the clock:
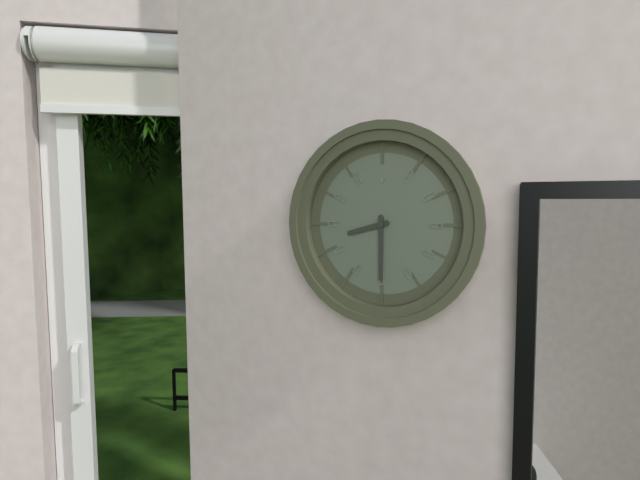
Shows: 8:30
